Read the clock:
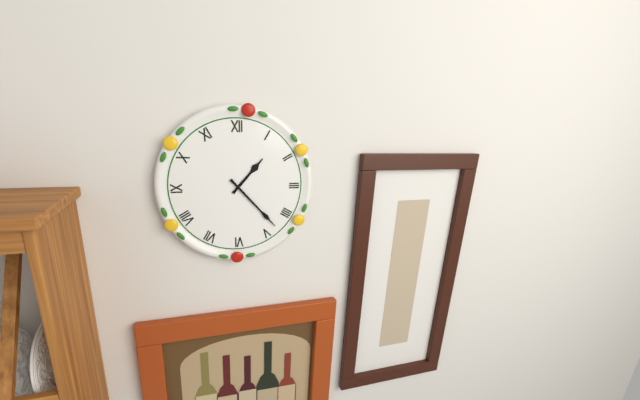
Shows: 1:23
